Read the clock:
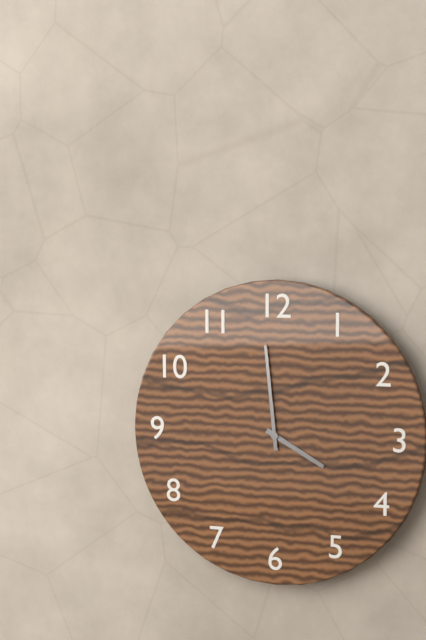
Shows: 3:59
